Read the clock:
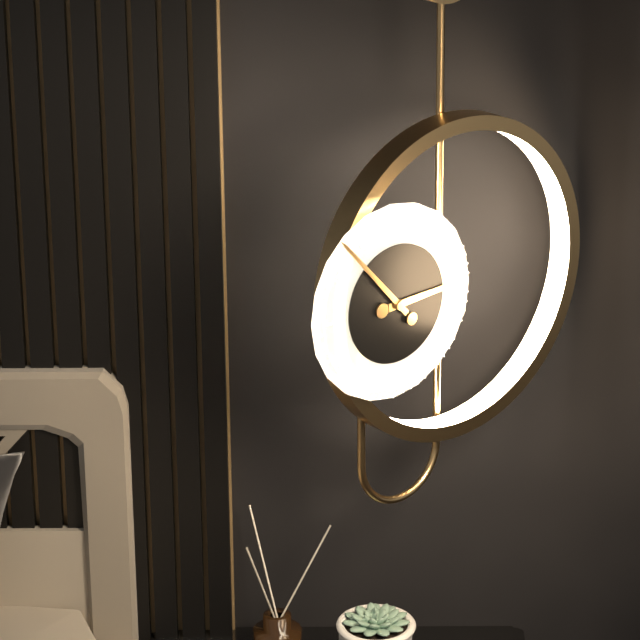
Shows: 2:53
